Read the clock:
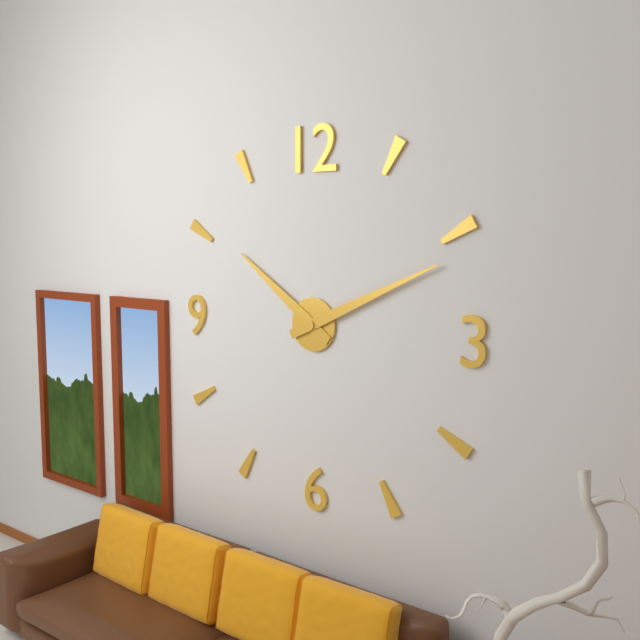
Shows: 10:11
